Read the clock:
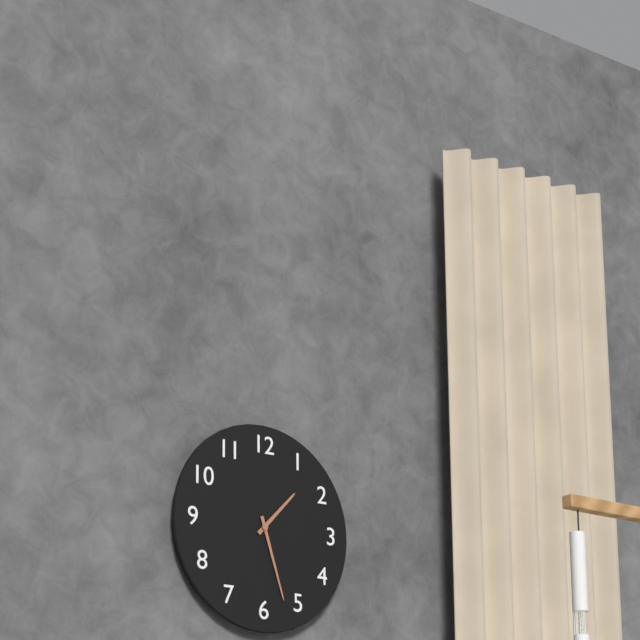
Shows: 1:27
